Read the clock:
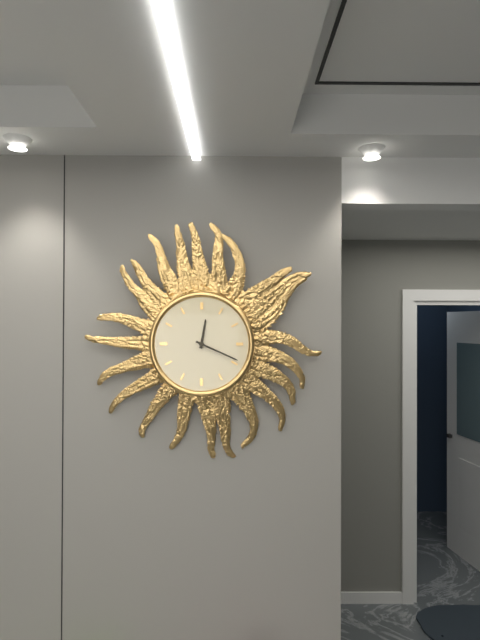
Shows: 12:19
